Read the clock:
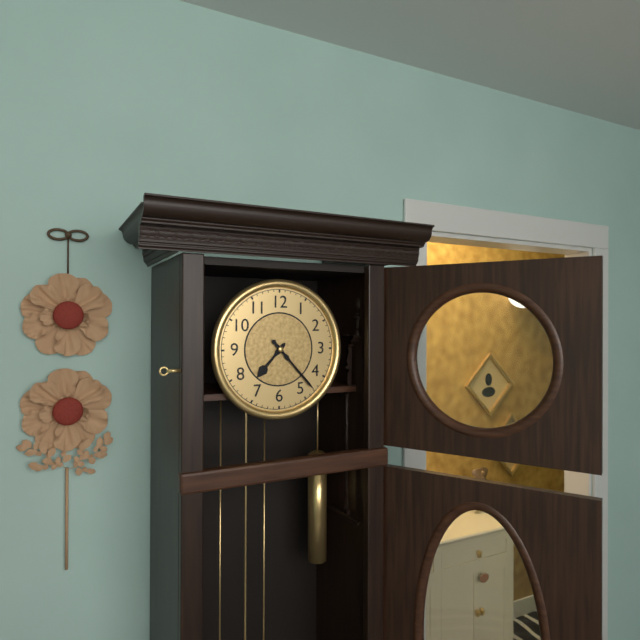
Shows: 7:23
